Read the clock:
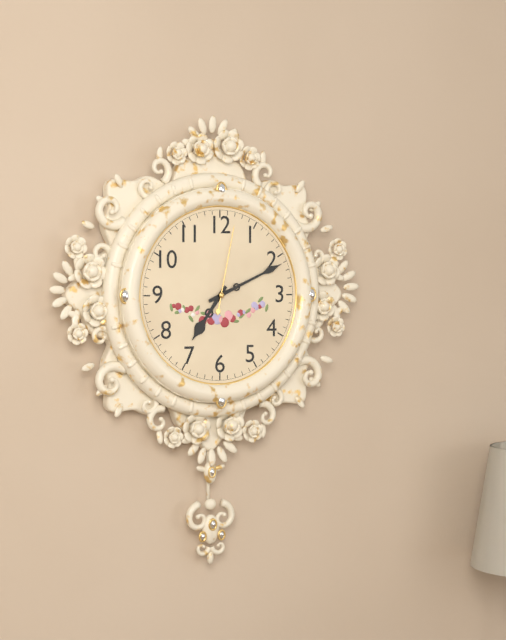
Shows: 7:11:02
